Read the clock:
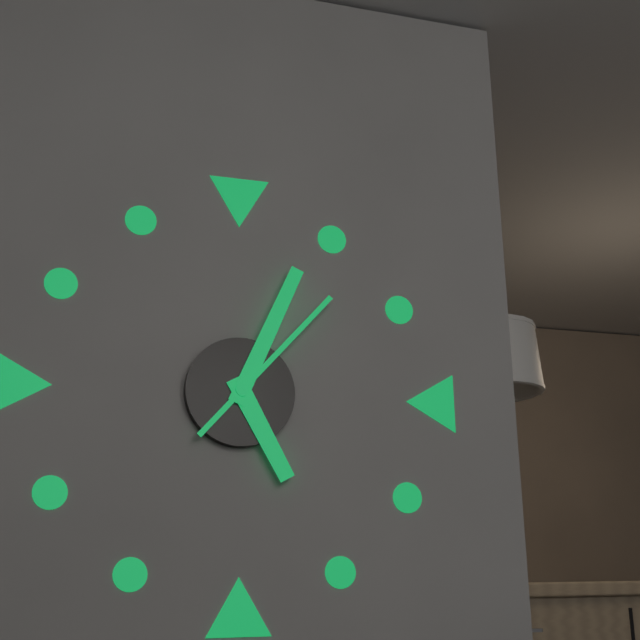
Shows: 5:04:07
